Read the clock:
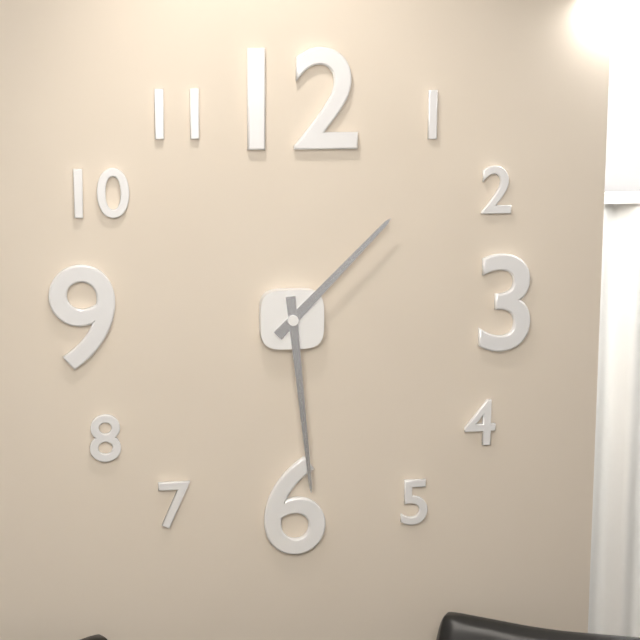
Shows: 1:29
